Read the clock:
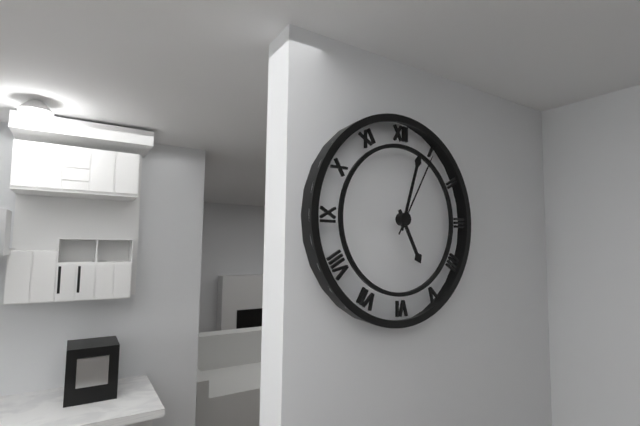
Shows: 5:03:05
